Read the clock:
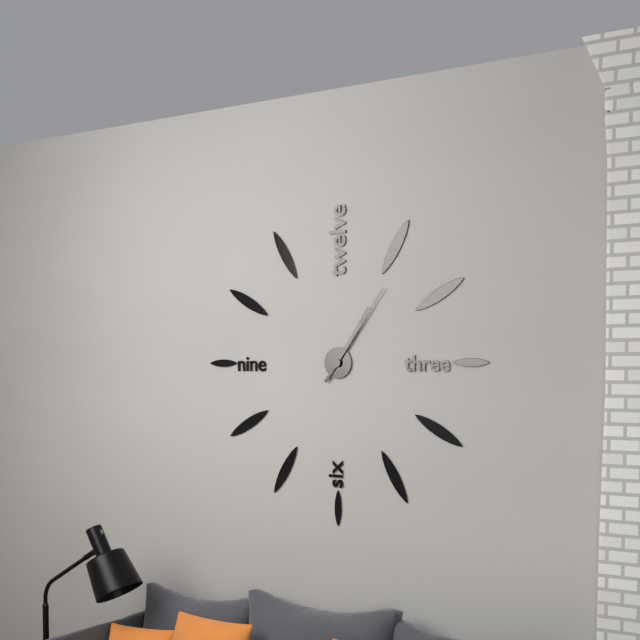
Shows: 1:06
